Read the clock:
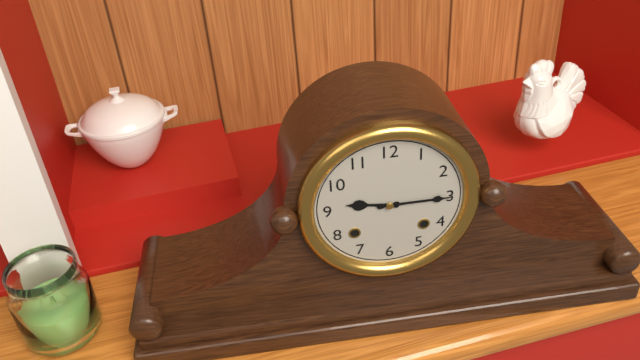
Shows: 9:15
